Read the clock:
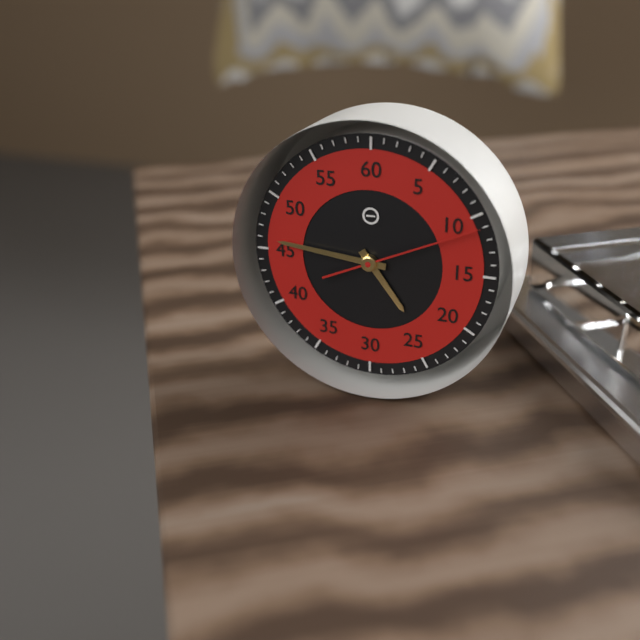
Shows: 4:46:11
